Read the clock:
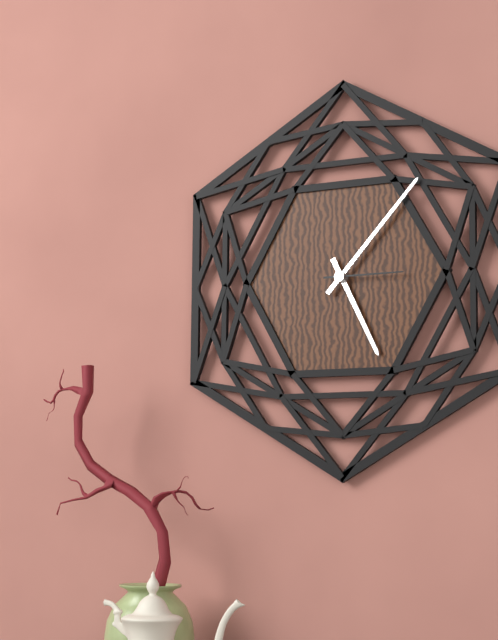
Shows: 5:07:15
